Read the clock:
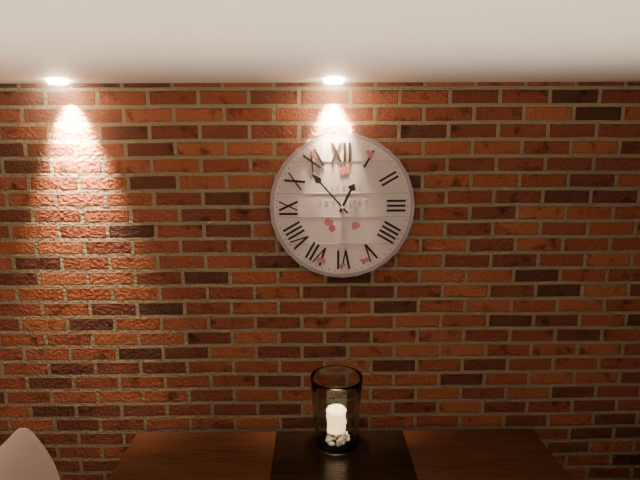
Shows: 12:53
